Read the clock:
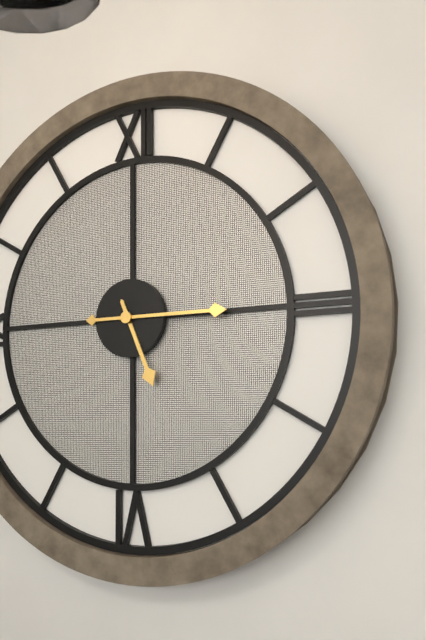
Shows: 5:15
